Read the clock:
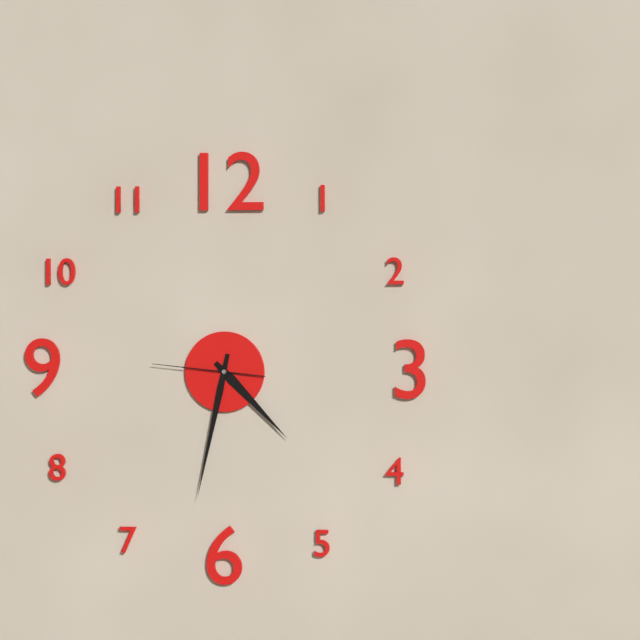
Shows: 4:32:46
